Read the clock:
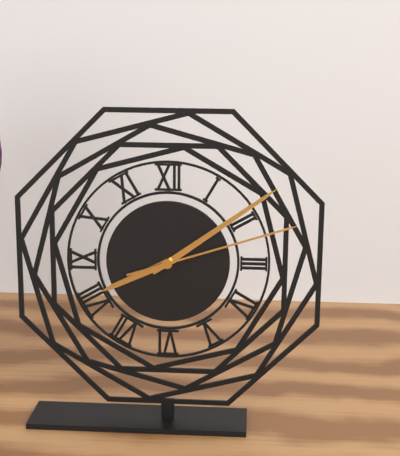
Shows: 8:09:12
